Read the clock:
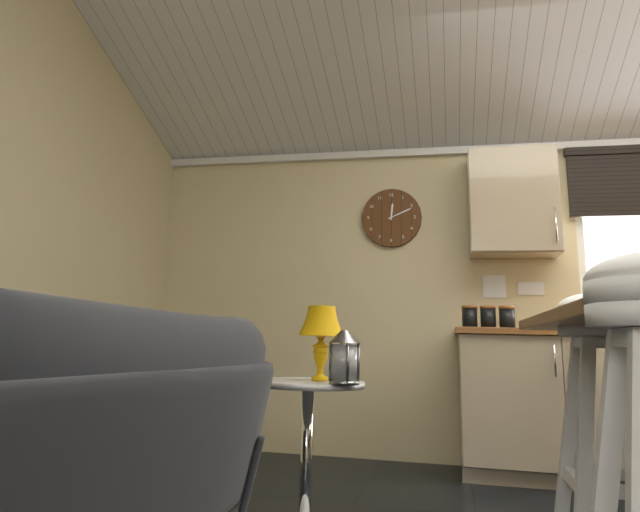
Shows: 12:11
